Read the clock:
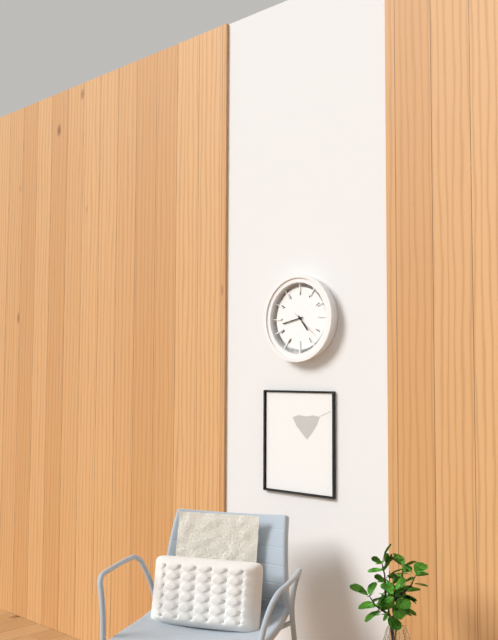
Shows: 4:43
